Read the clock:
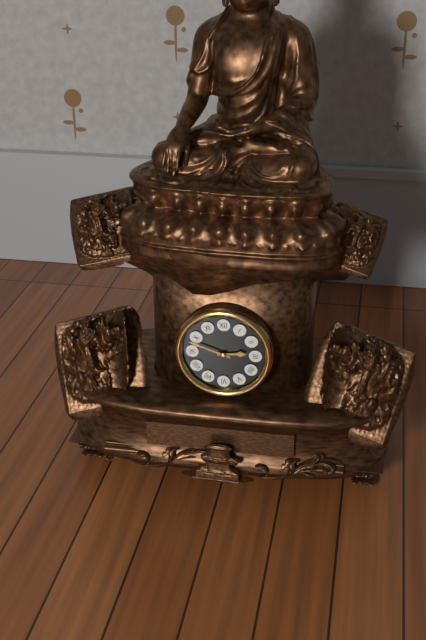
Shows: 2:48
